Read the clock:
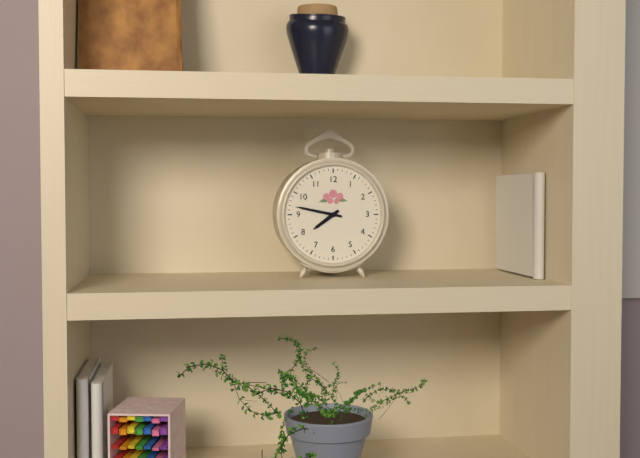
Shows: 7:47
